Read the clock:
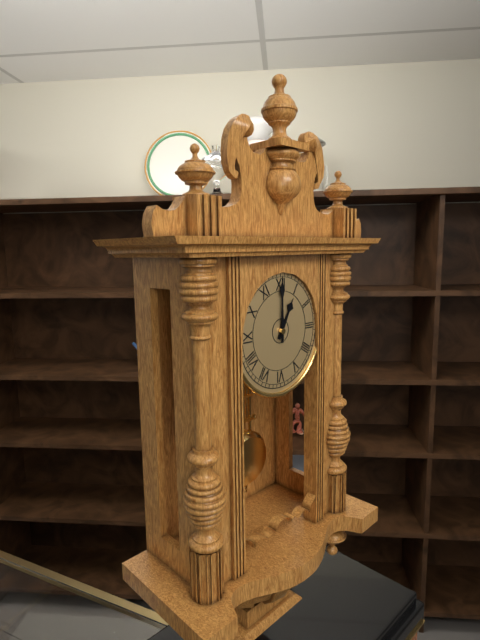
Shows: 1:00
